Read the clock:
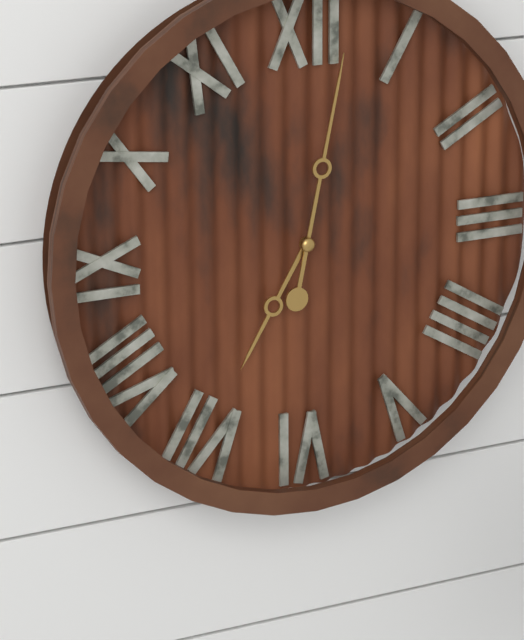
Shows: 7:02
